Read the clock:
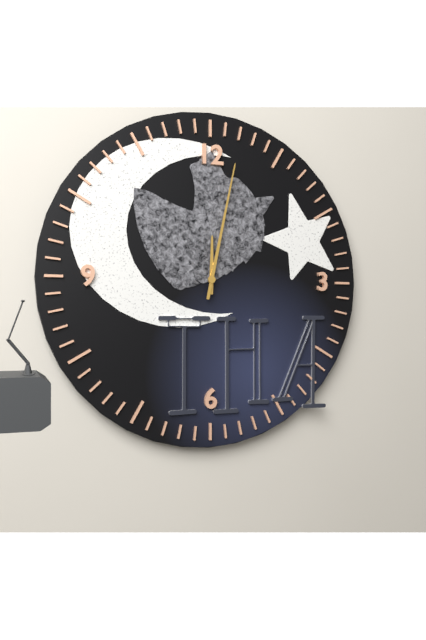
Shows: 12:02
